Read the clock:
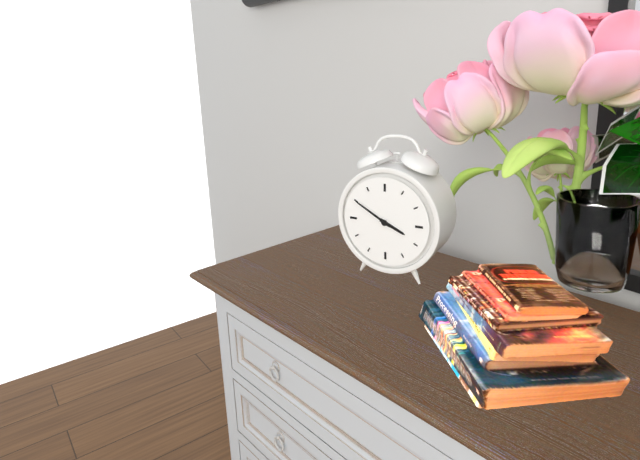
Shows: 3:50
